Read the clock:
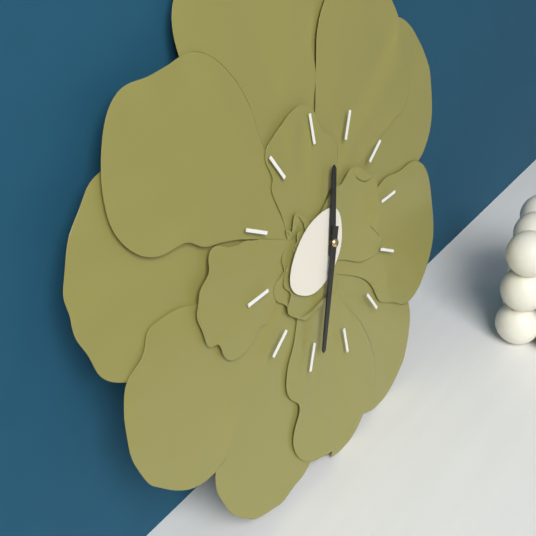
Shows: 12:34
